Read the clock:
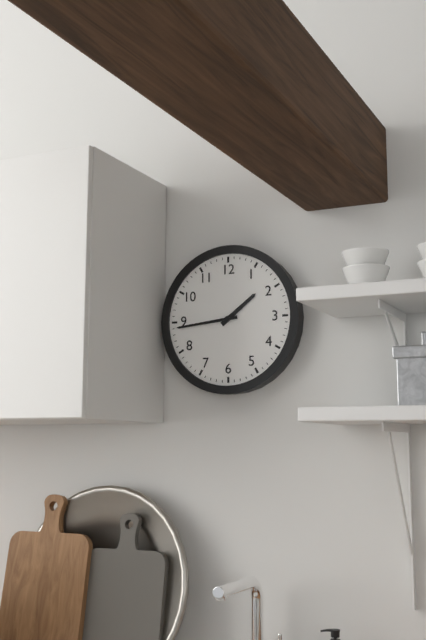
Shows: 1:44
